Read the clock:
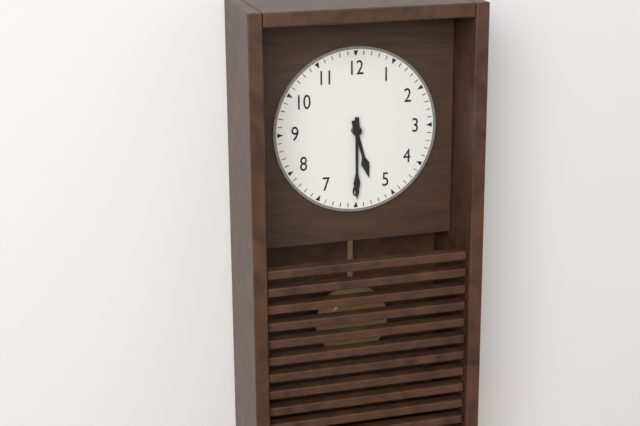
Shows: 5:30
